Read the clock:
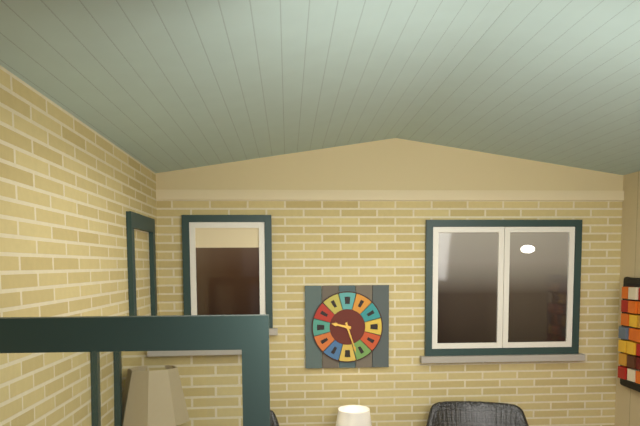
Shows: 9:27
